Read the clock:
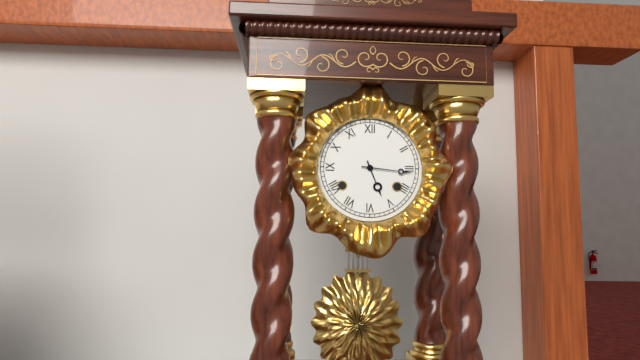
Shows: 5:16
